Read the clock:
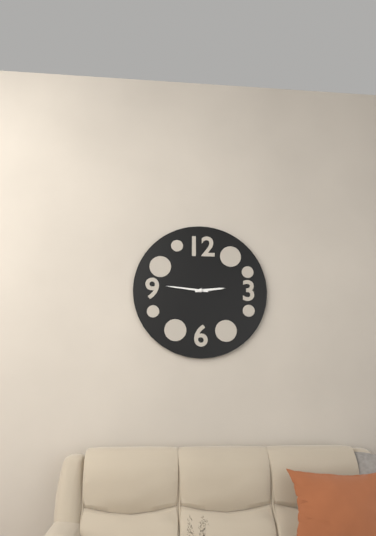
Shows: 2:46
